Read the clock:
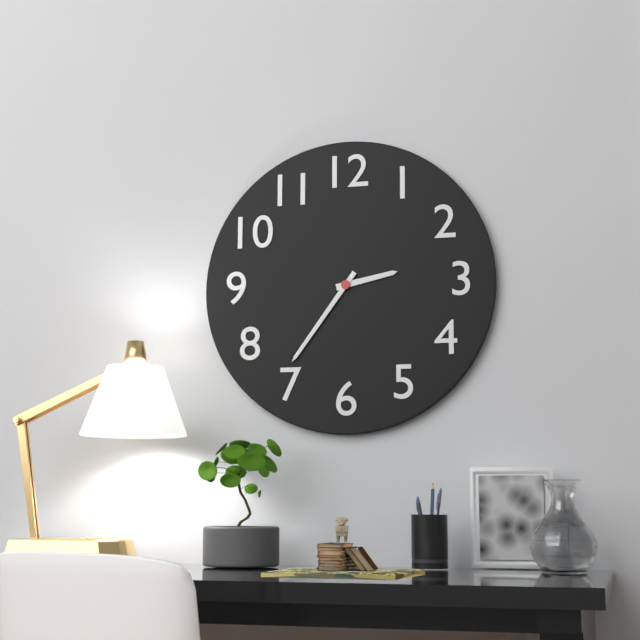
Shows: 2:36
